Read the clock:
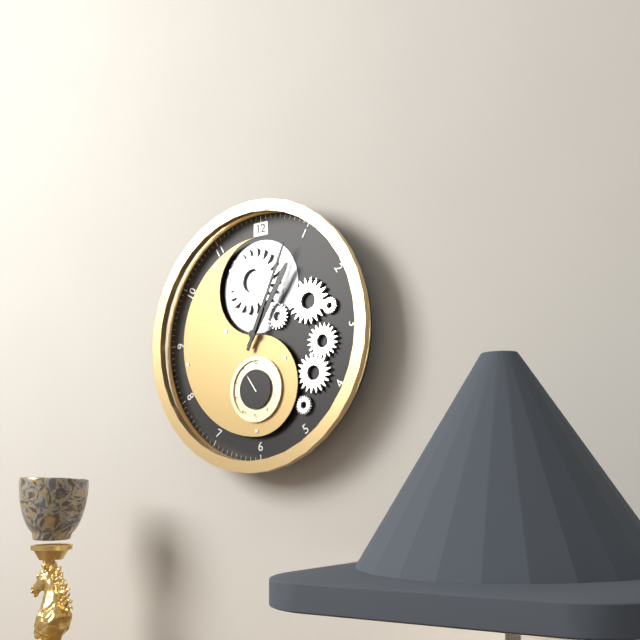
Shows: 1:04
